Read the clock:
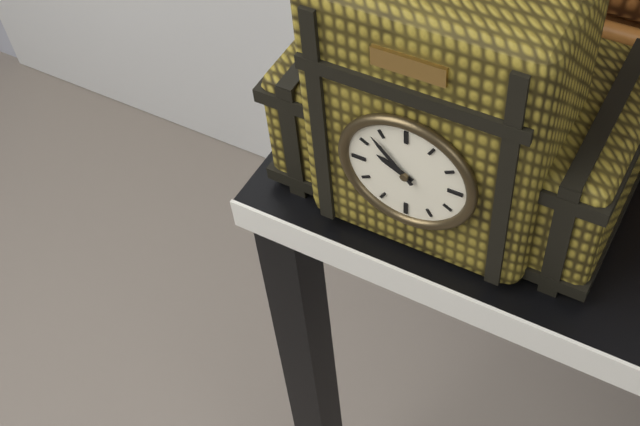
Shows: 9:53
